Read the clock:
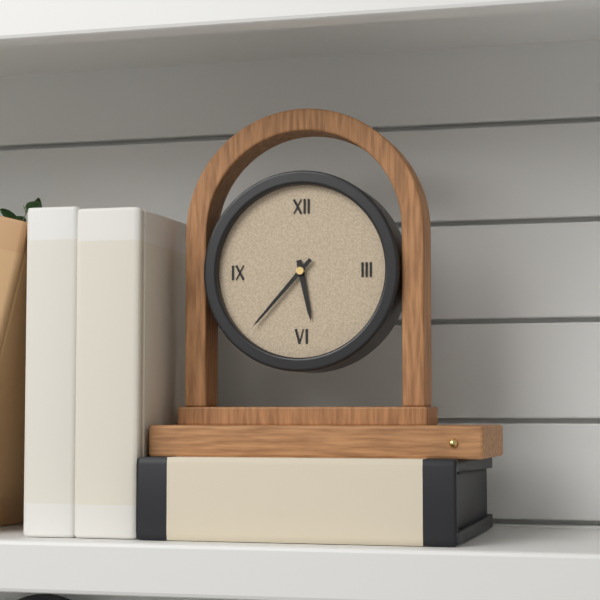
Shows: 5:37
